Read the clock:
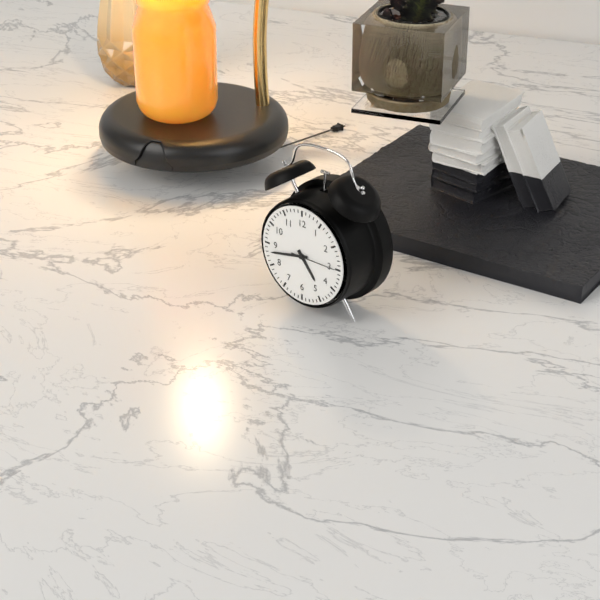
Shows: 4:43
